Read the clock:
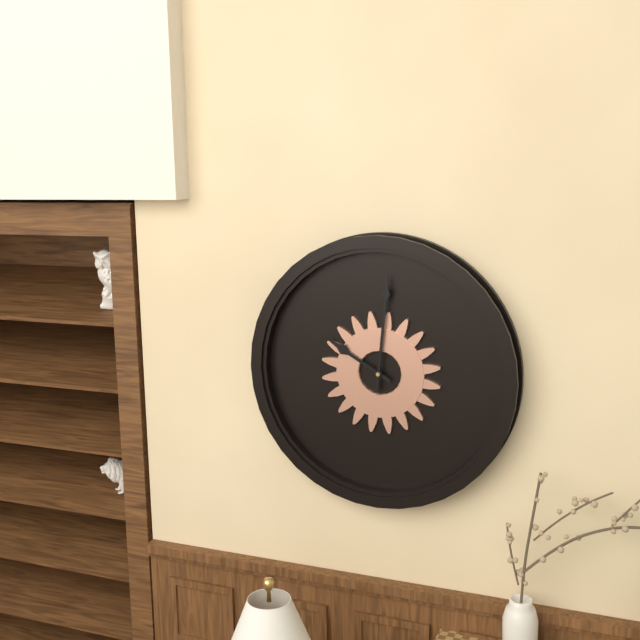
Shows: 10:01
